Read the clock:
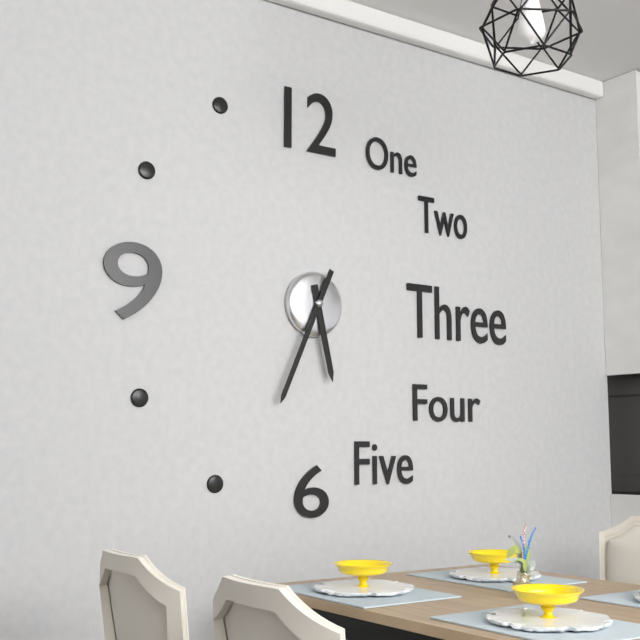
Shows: 5:34
